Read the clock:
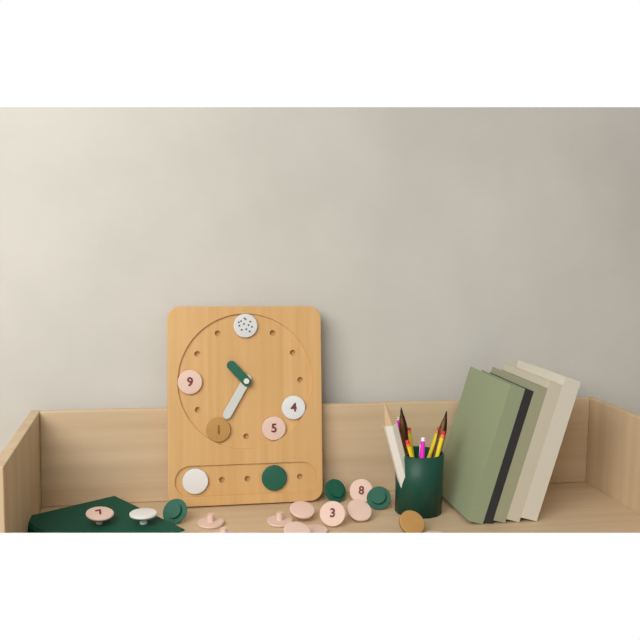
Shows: 10:35
